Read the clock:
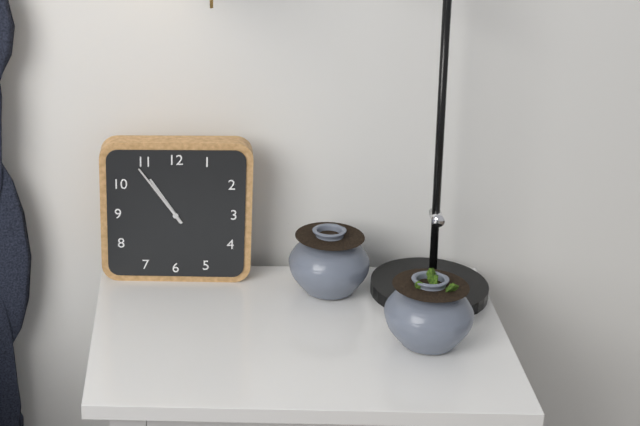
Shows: 10:54
